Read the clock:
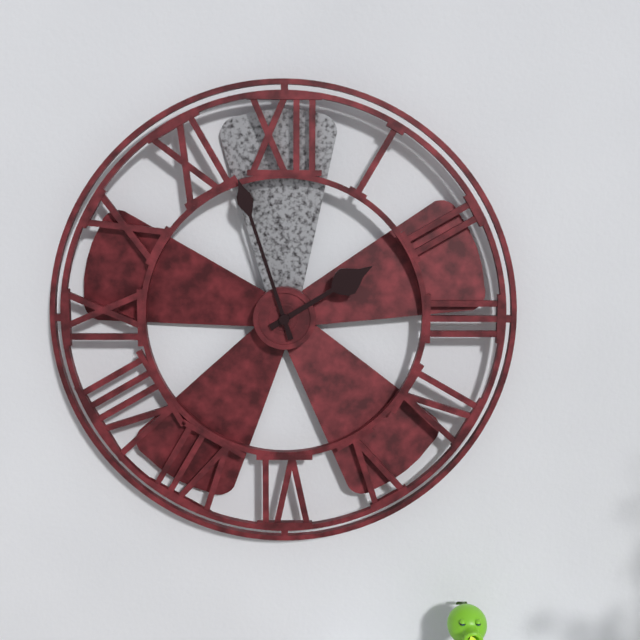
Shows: 1:57
